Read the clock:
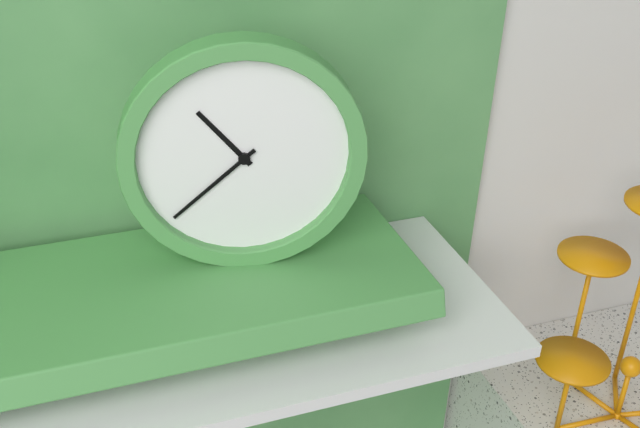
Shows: 10:38
